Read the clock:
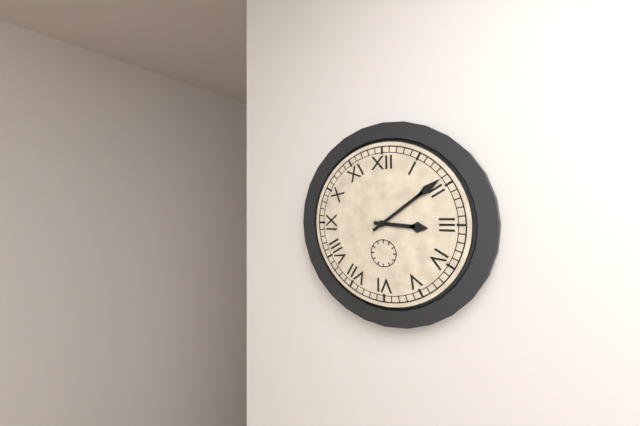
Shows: 3:09
